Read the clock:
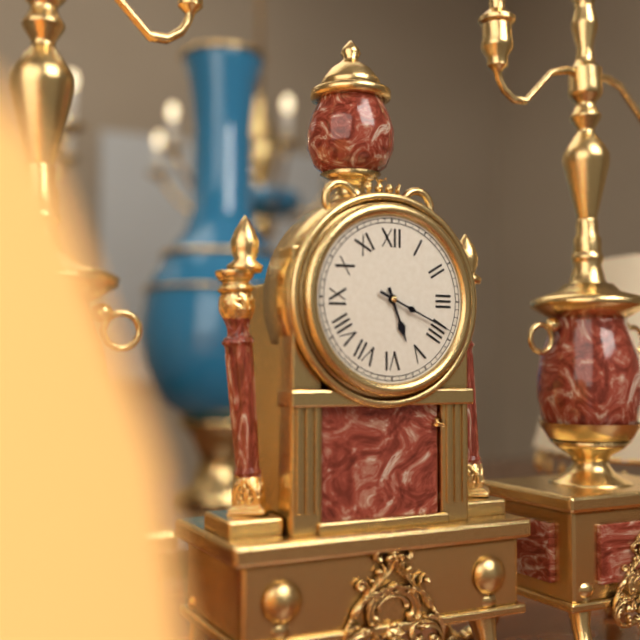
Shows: 5:19
